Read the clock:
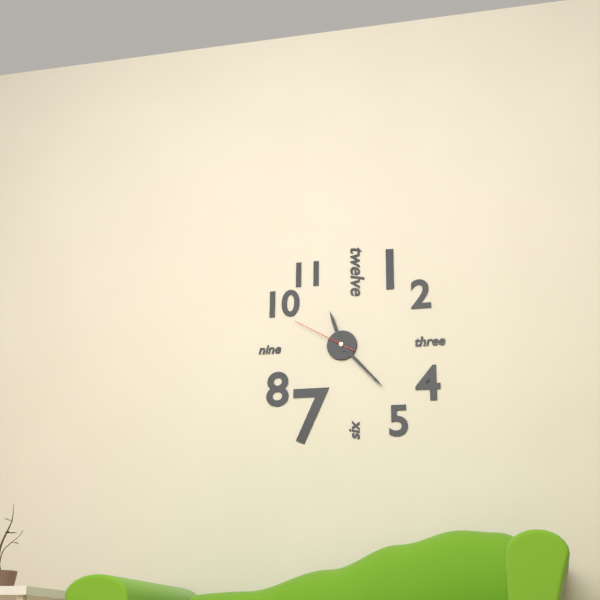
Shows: 11:23:50
